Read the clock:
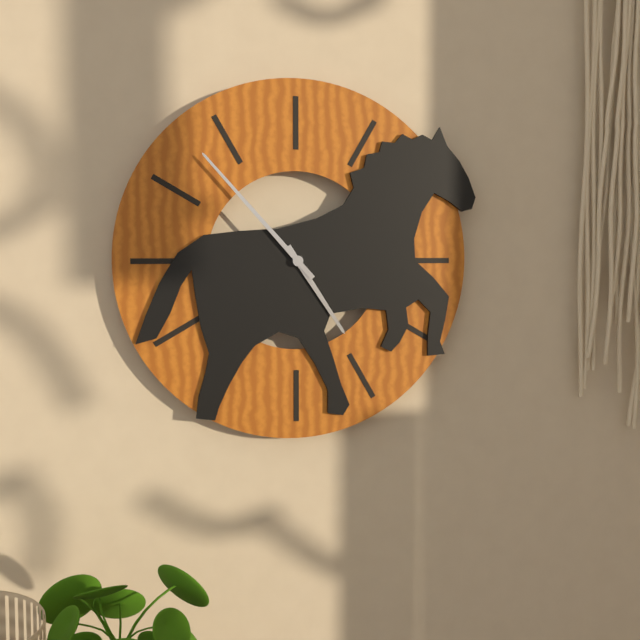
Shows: 4:53
